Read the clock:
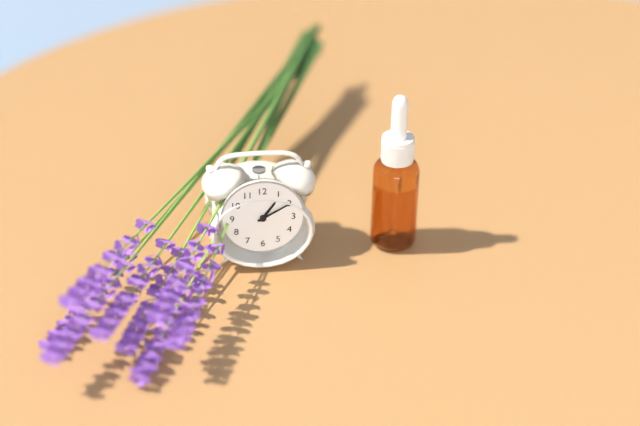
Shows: 1:10
